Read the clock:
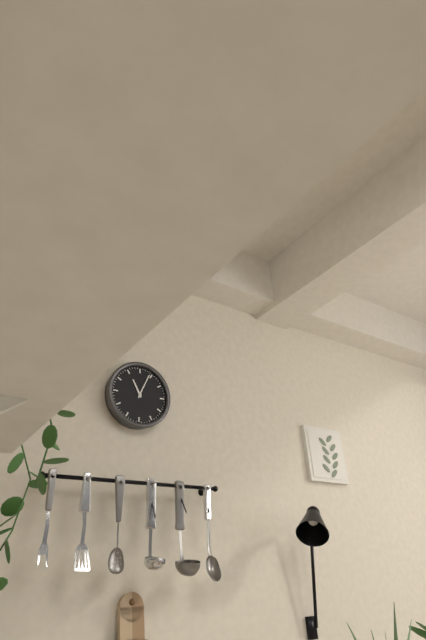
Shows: 11:04
